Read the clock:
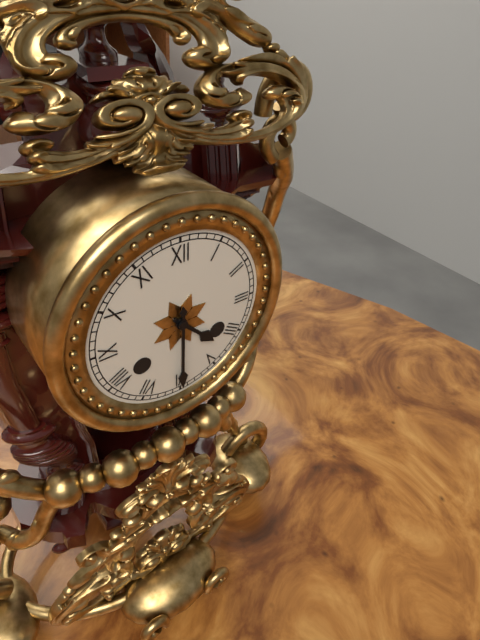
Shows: 4:30
